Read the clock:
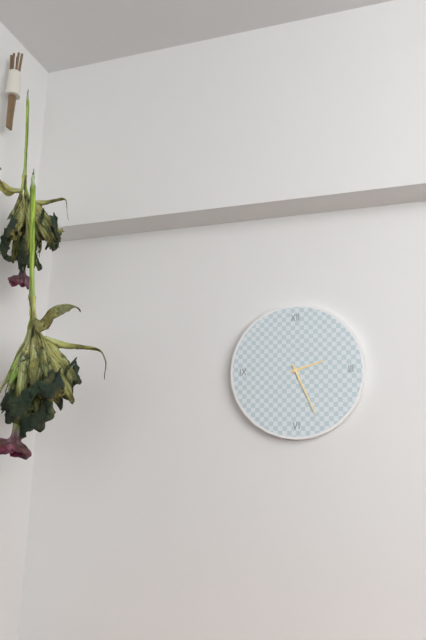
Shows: 2:26
